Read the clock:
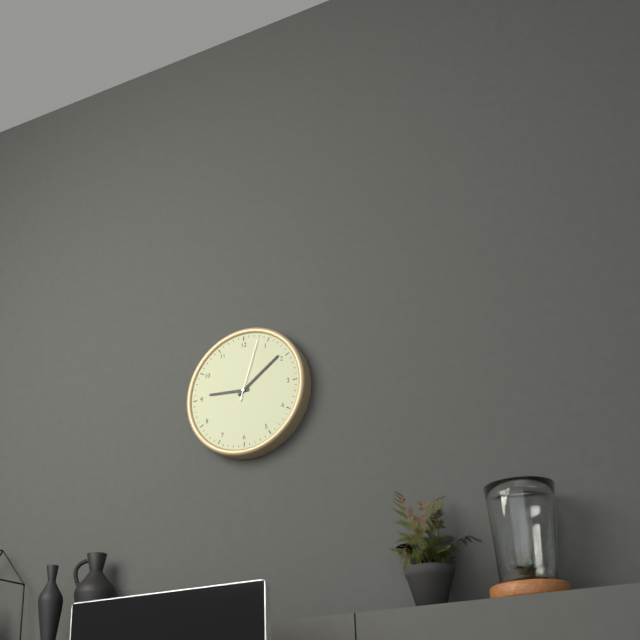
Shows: 9:09:03
